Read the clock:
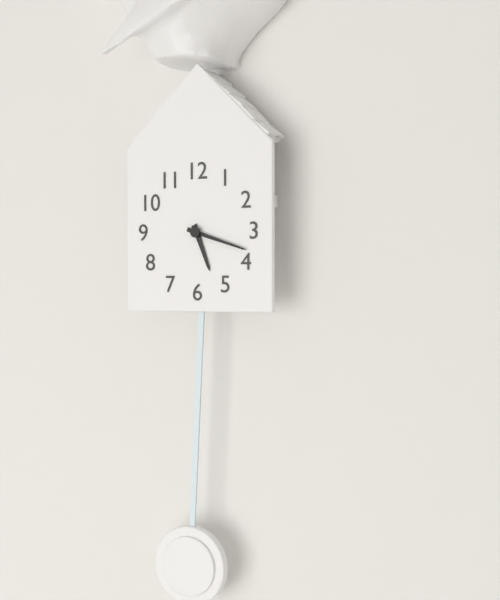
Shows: 5:18
